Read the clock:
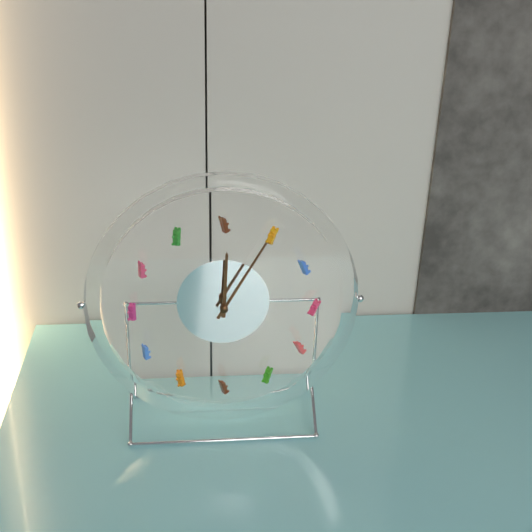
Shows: 12:05
